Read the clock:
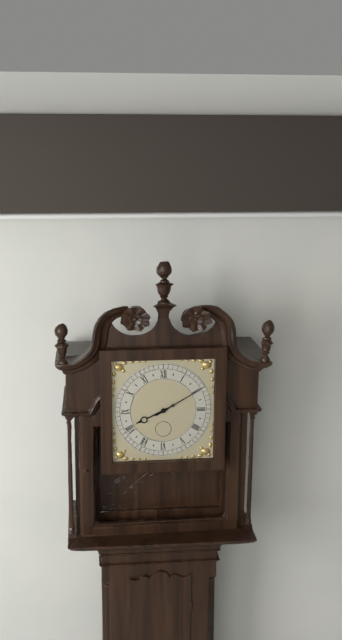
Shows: 8:10
